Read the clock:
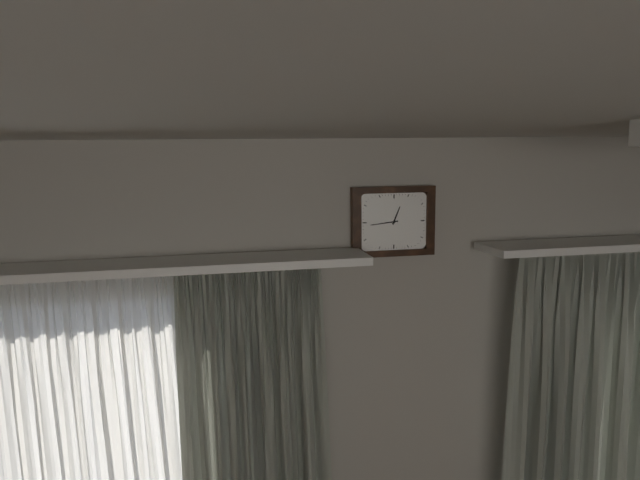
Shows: 12:44
